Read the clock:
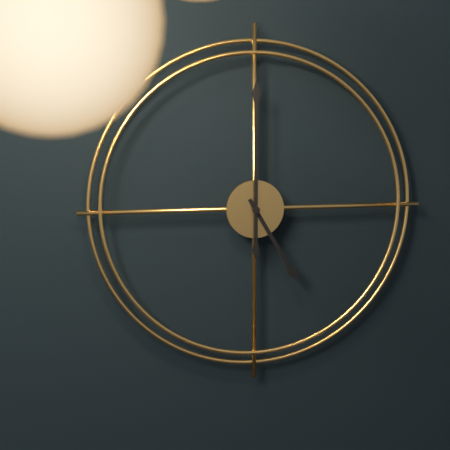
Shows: 5:00
